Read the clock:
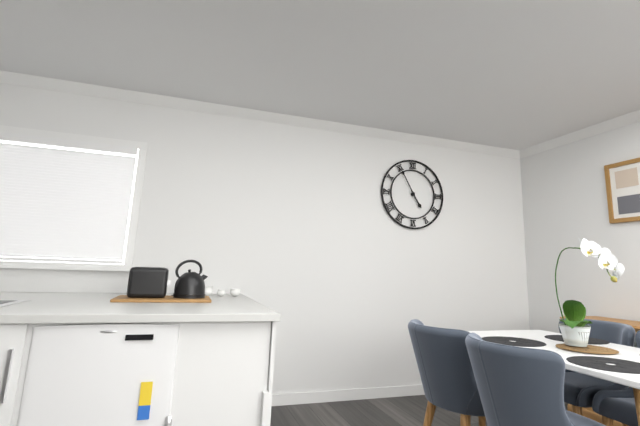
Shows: 4:55
